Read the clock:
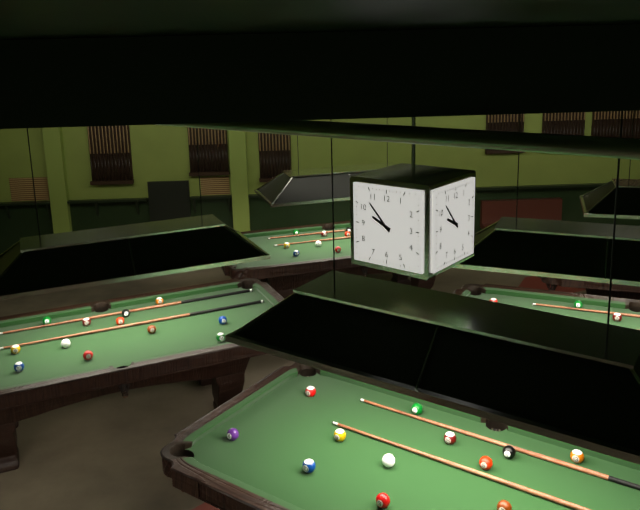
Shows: 9:53
